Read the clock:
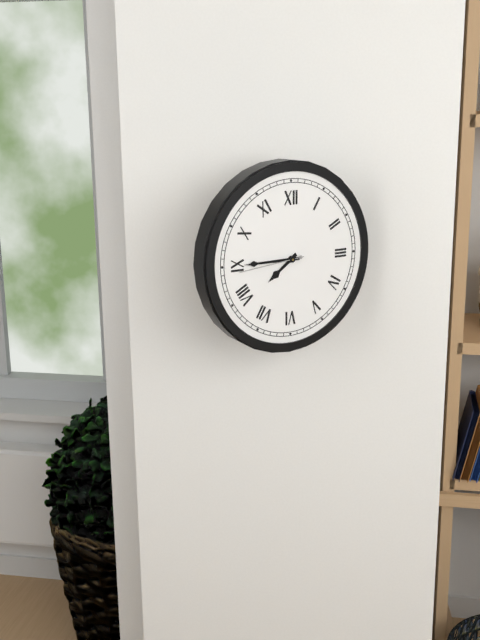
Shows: 7:45:44
